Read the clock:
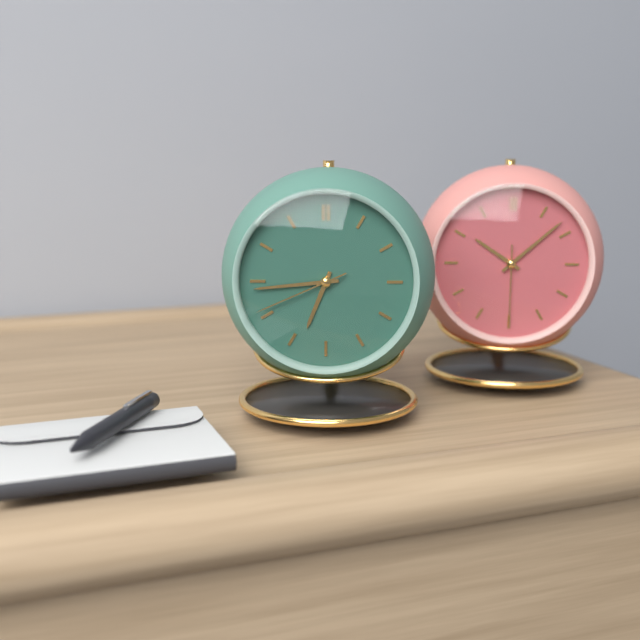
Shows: 6:44:41
